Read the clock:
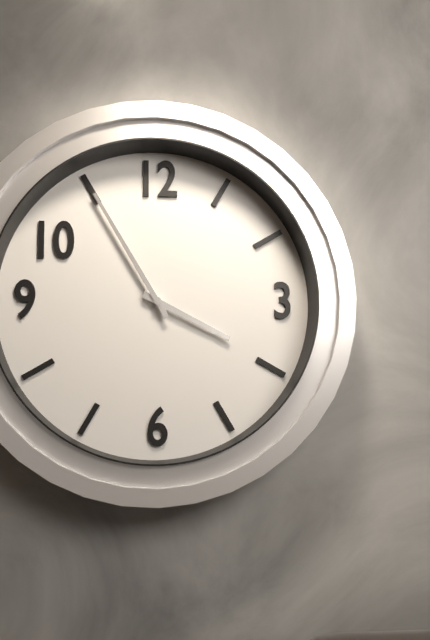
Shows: 3:55
